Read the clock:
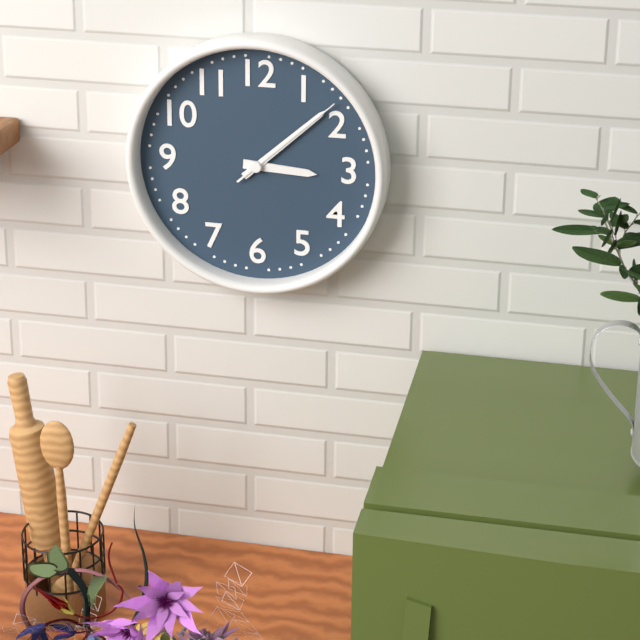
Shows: 3:08:08
